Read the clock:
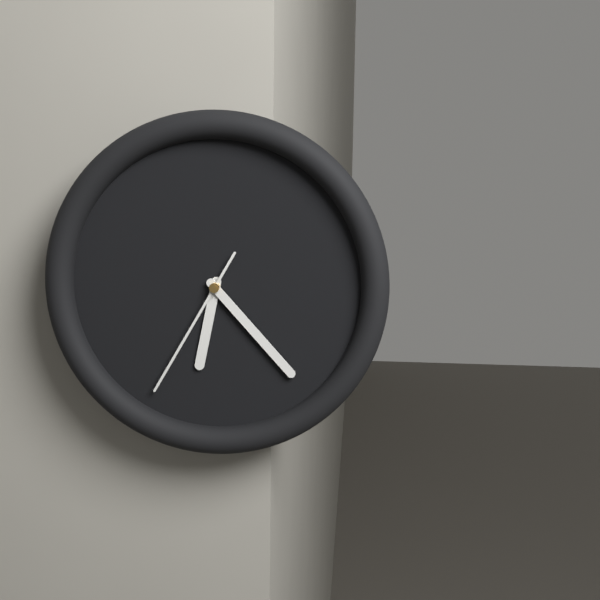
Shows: 6:23:35
